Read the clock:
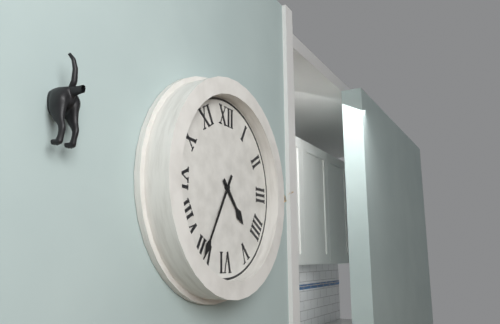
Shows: 4:35
